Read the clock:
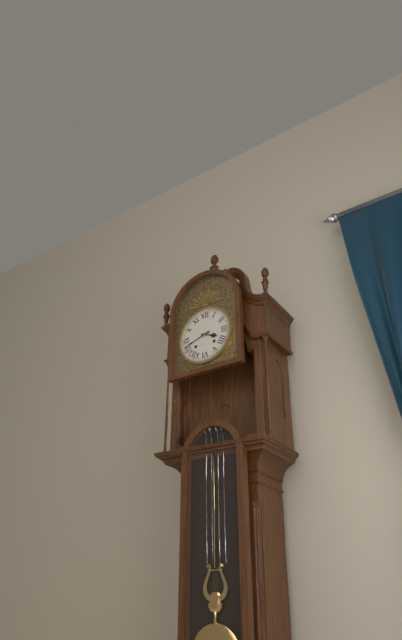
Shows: 3:42
